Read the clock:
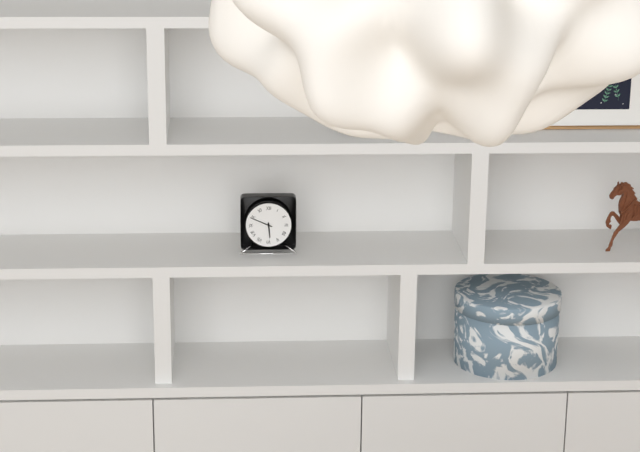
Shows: 5:49
